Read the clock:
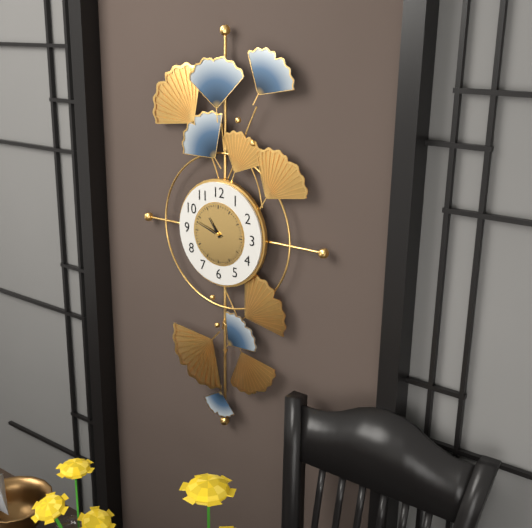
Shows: 10:48
